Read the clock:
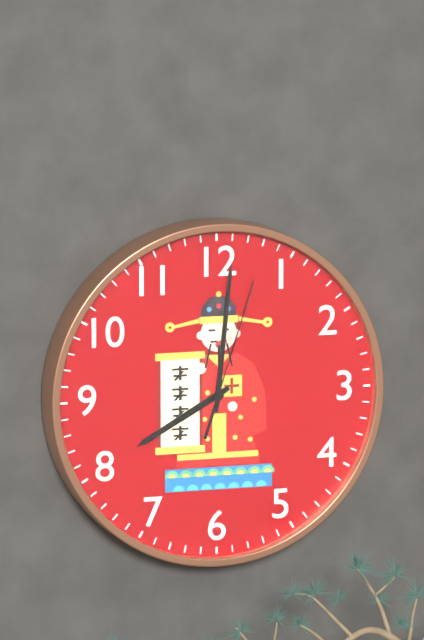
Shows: 8:01:03
